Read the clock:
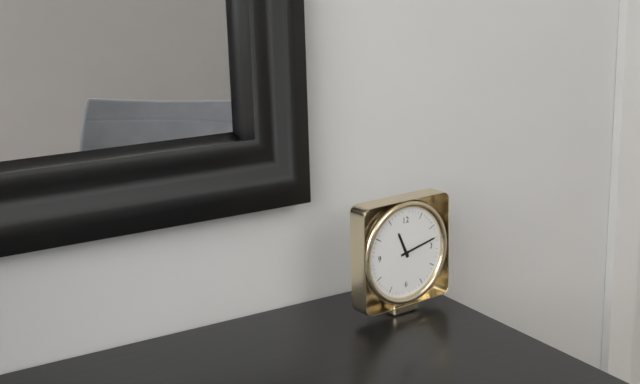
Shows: 11:13
